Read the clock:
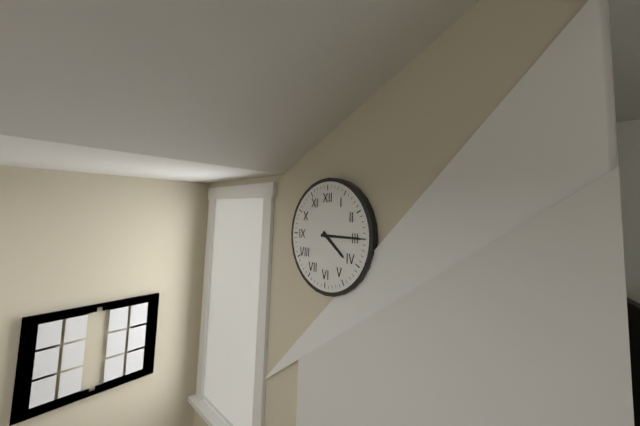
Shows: 4:15
